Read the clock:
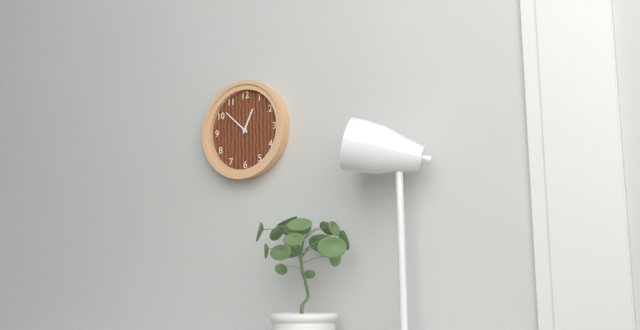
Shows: 12:52
